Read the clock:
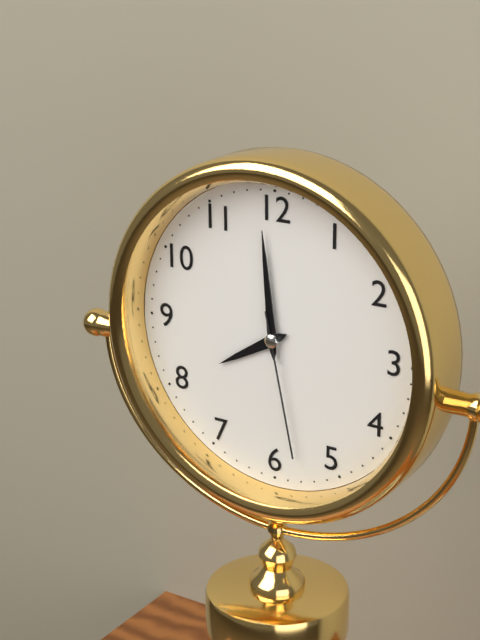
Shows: 7:59:28
